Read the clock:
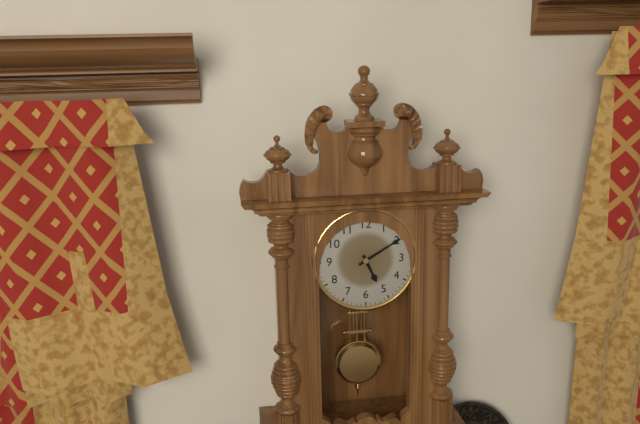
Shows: 5:10
